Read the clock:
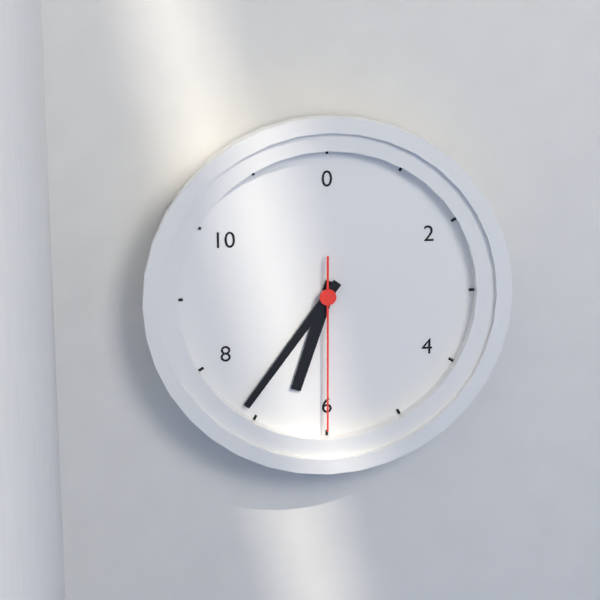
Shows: 6:36:30
